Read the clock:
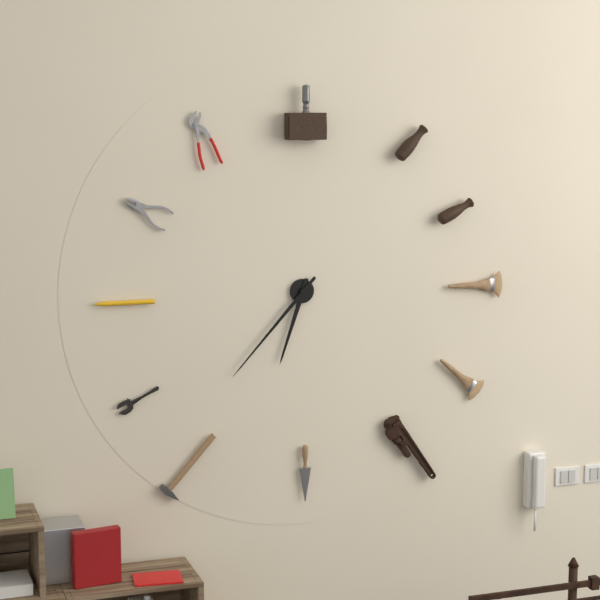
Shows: 6:37
